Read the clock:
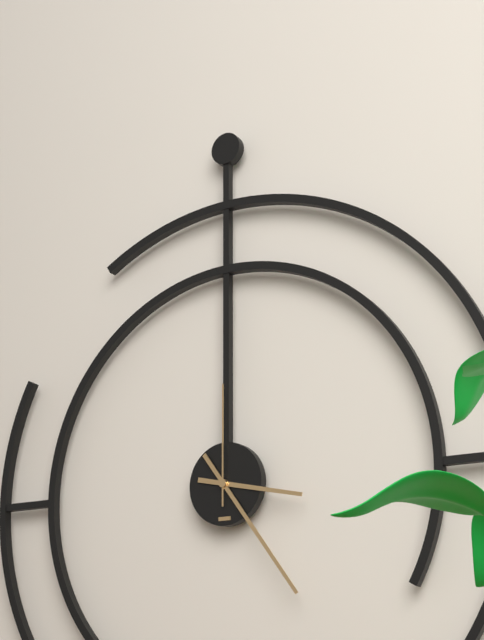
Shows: 3:24:00
